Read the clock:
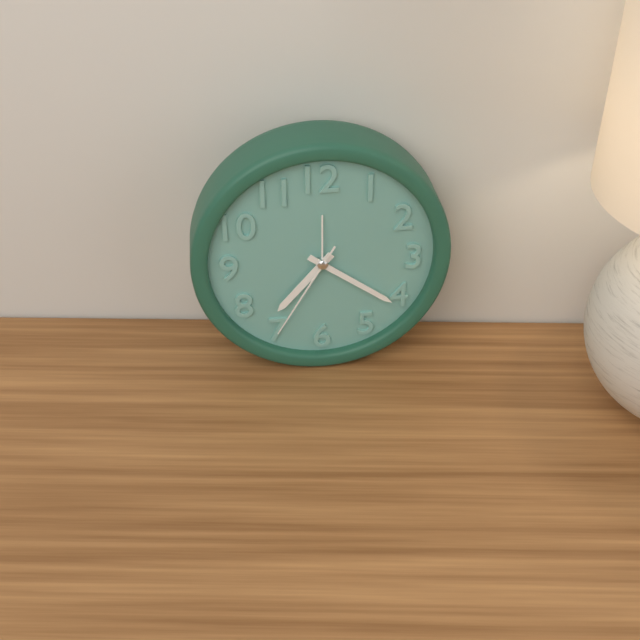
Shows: 7:21:35
